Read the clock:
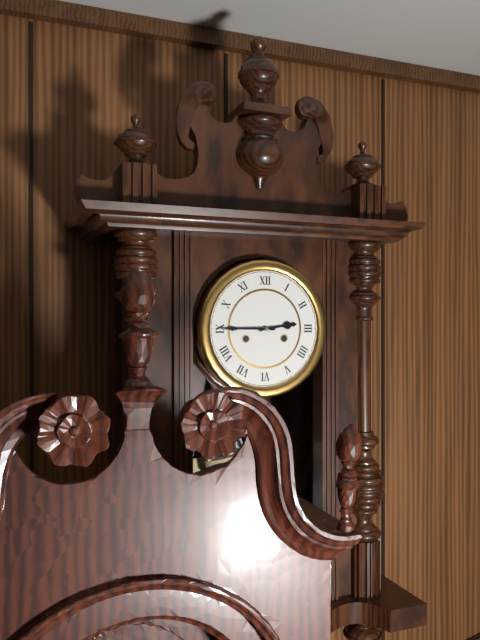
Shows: 2:45
